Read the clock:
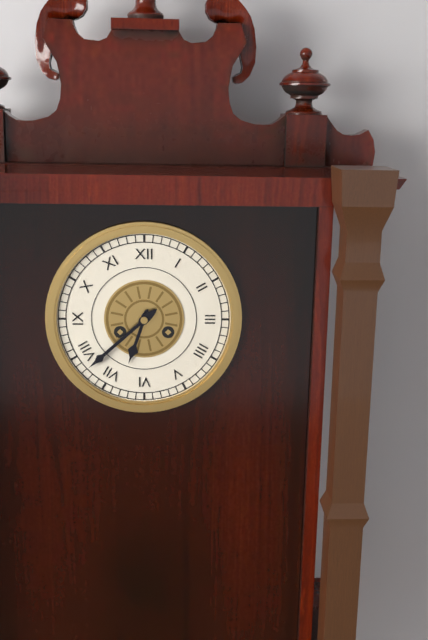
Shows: 6:38
